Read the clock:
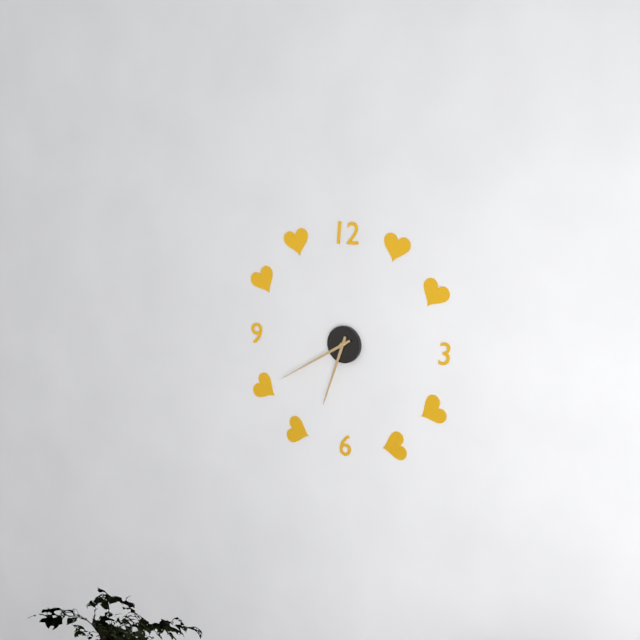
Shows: 6:40
